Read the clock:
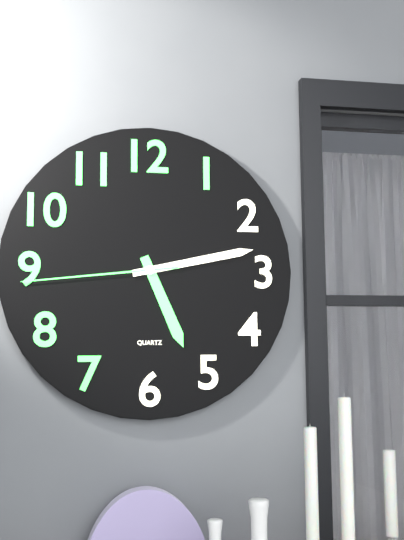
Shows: 5:13:44
